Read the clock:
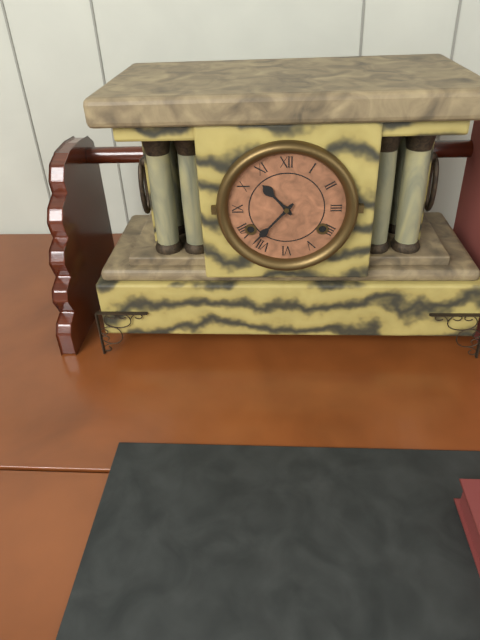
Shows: 10:37
